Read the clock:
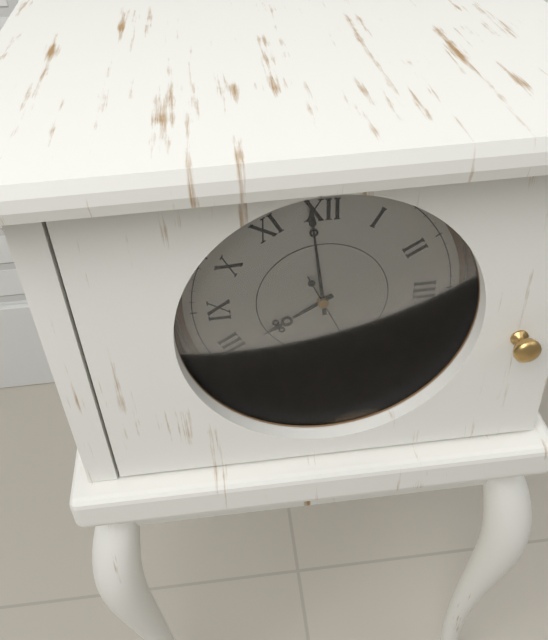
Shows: 7:59:26
